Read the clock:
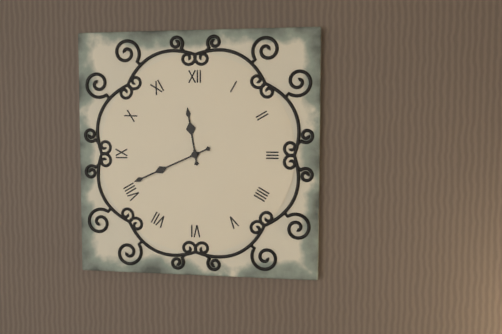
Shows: 11:41
